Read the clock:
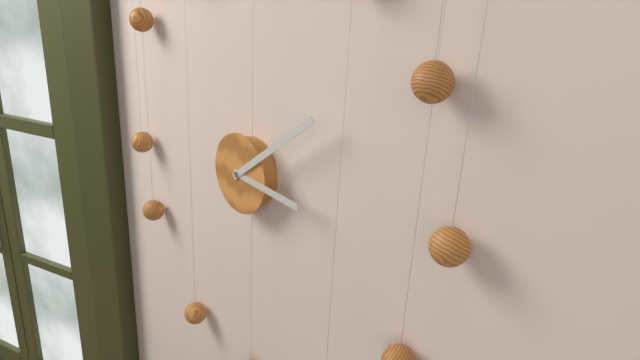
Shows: 3:09
